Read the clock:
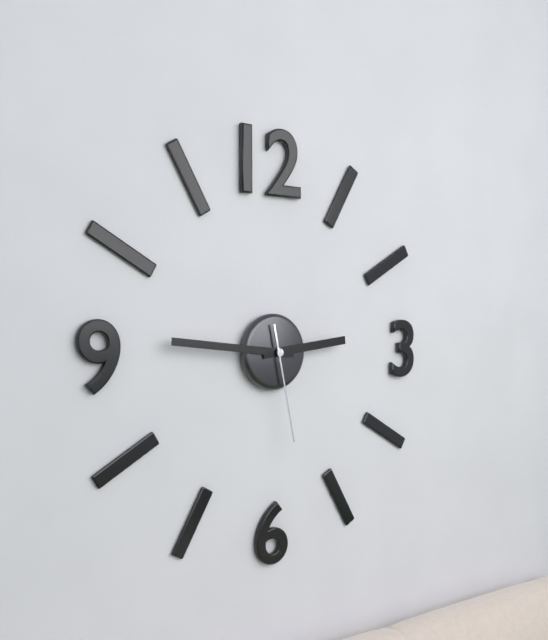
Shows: 2:46:28
